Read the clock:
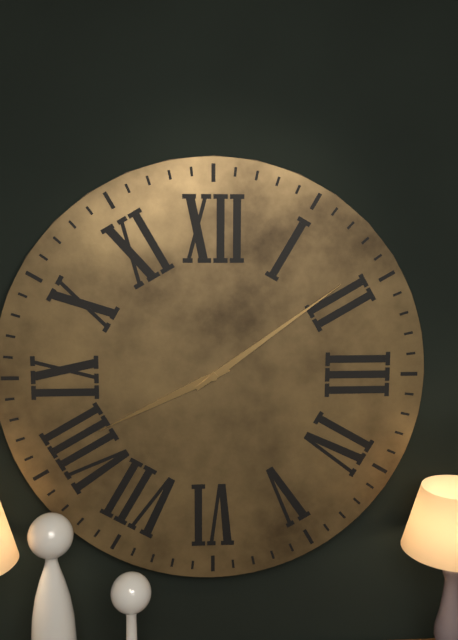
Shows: 8:09
